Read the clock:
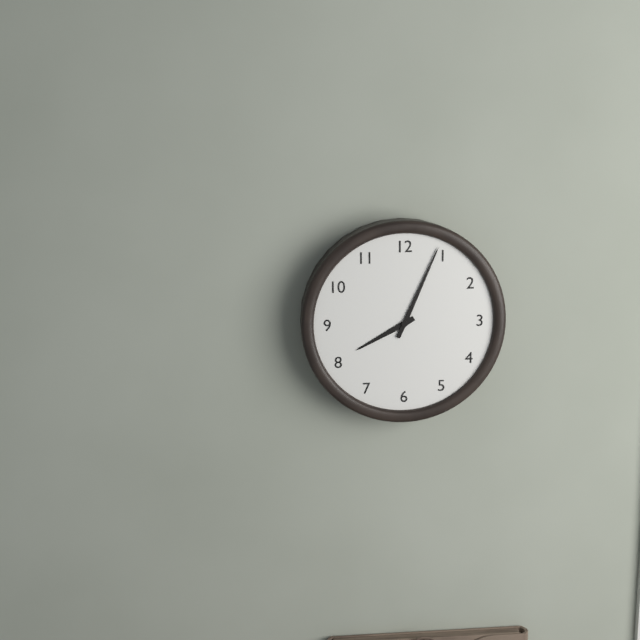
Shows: 8:04
